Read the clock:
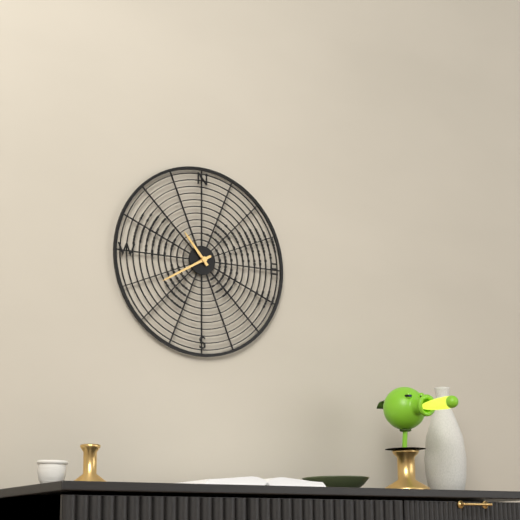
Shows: 10:40
